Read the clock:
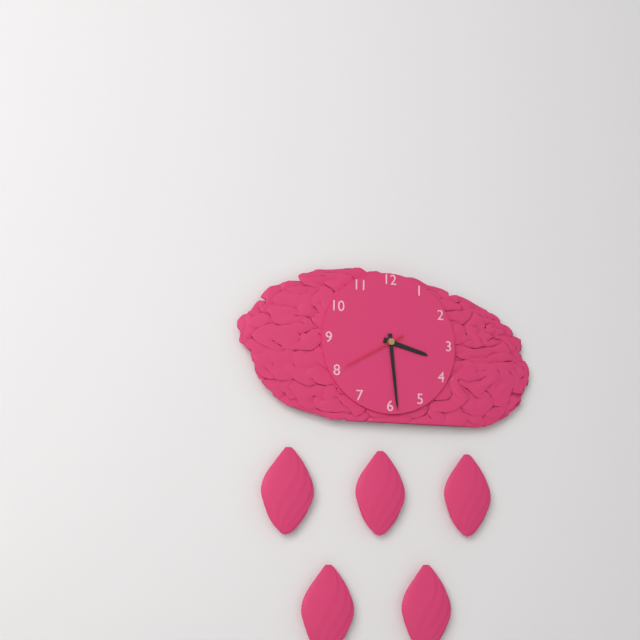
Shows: 3:29:40
